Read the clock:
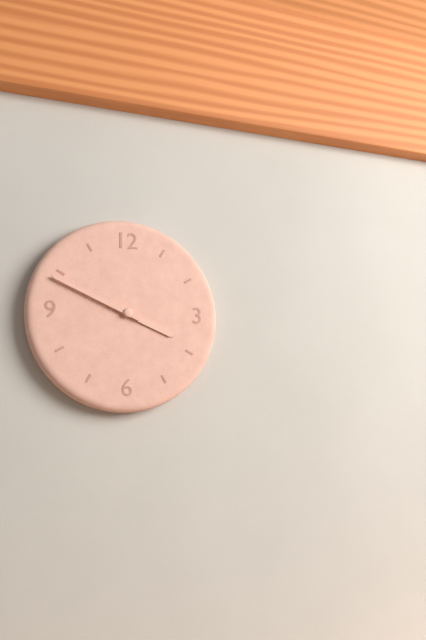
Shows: 3:49
